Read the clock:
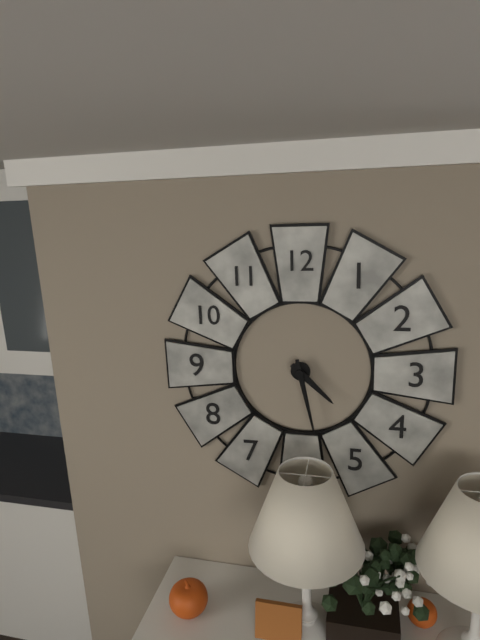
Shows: 4:28
